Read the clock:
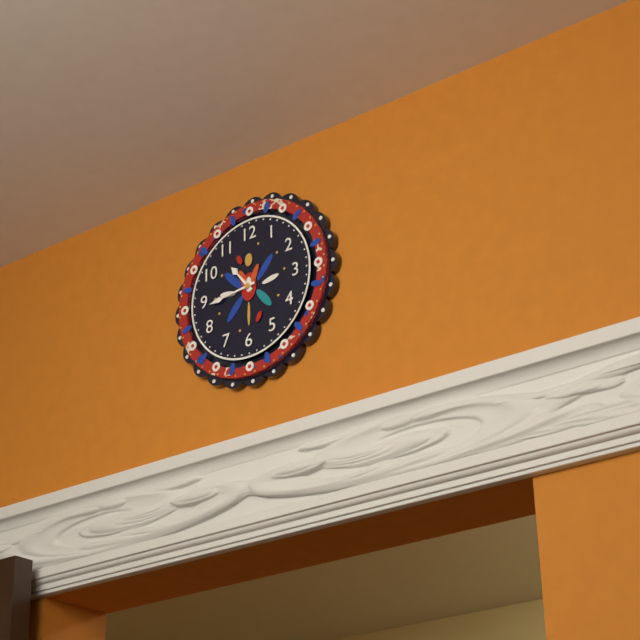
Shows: 10:44
